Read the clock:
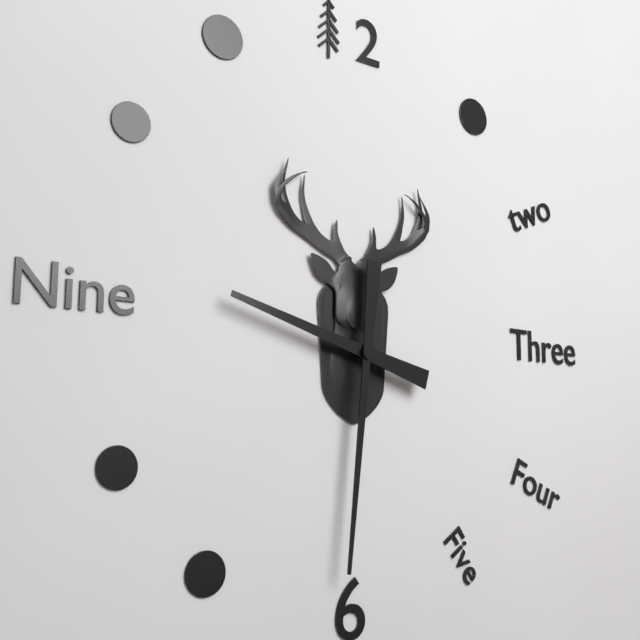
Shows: 9:31
